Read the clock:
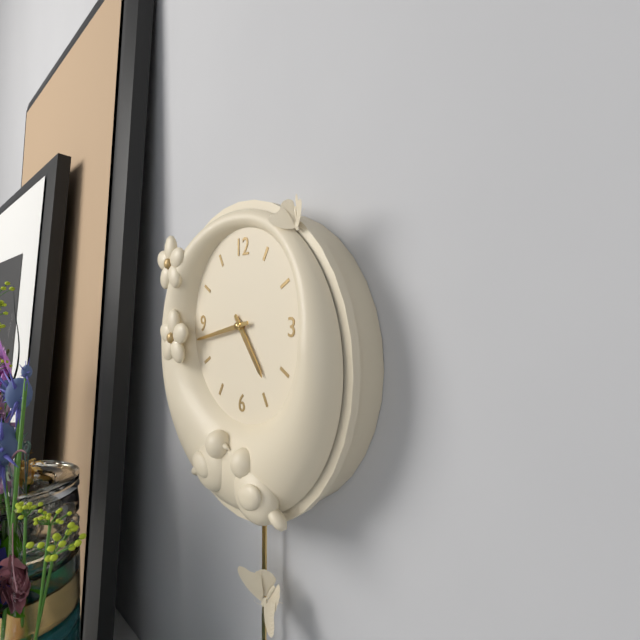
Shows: 4:43
